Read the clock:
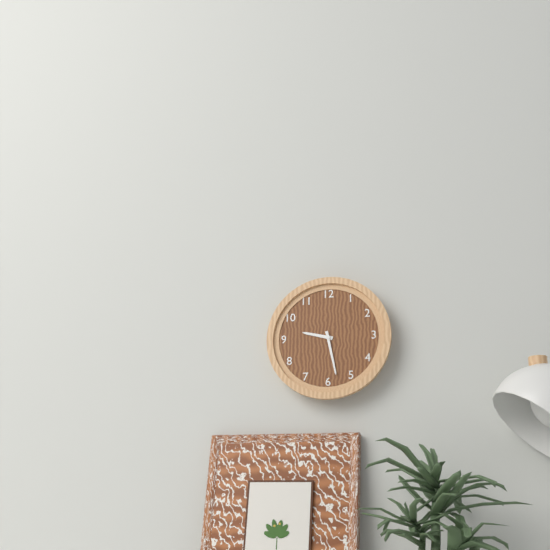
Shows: 9:28
